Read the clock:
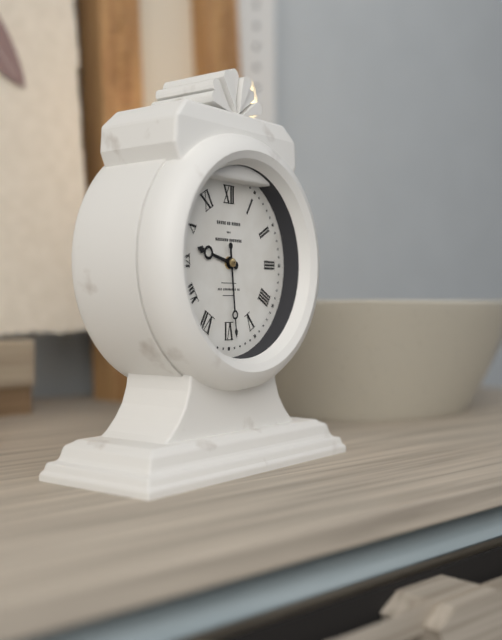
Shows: 9:29
